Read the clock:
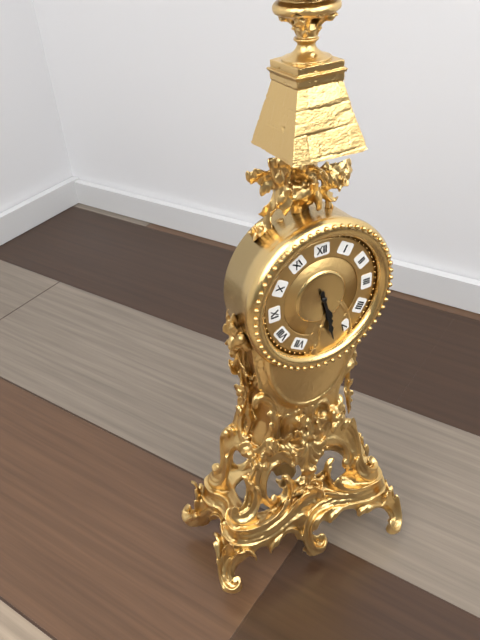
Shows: 5:28
